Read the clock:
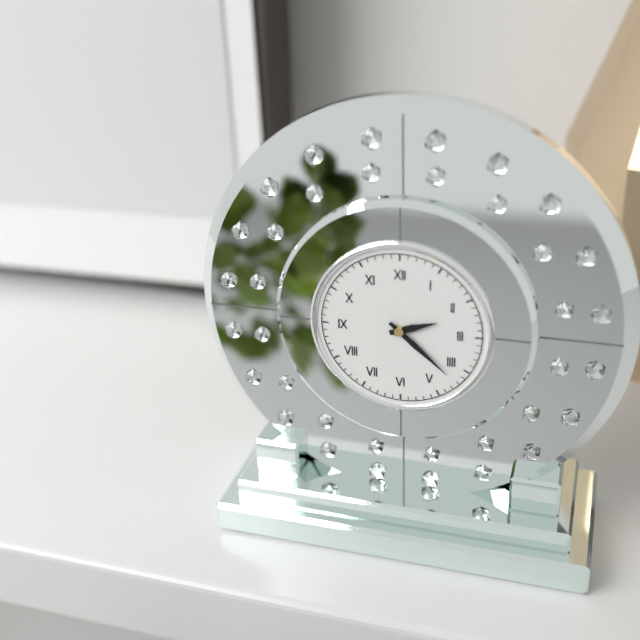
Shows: 2:22
